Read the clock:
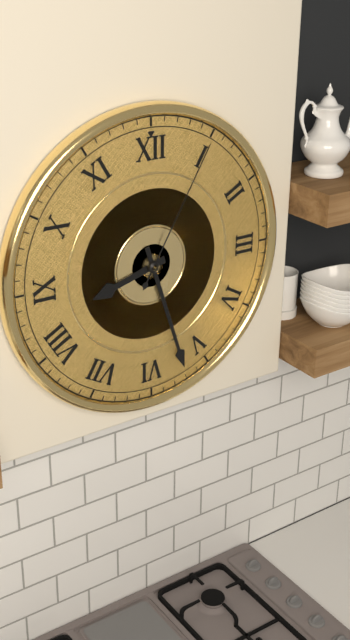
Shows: 8:27:05
